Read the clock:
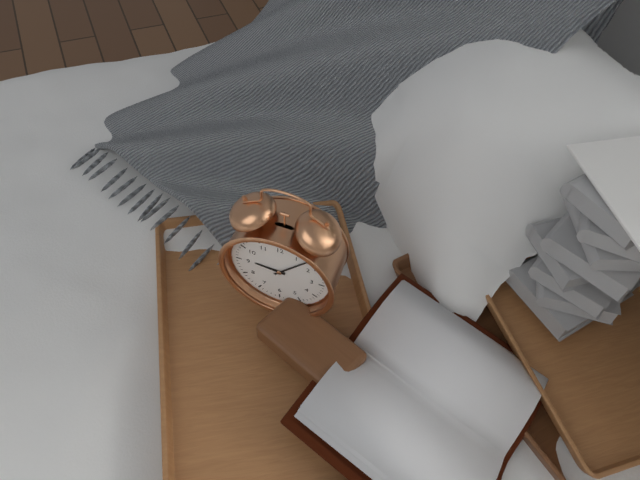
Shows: 9:07
